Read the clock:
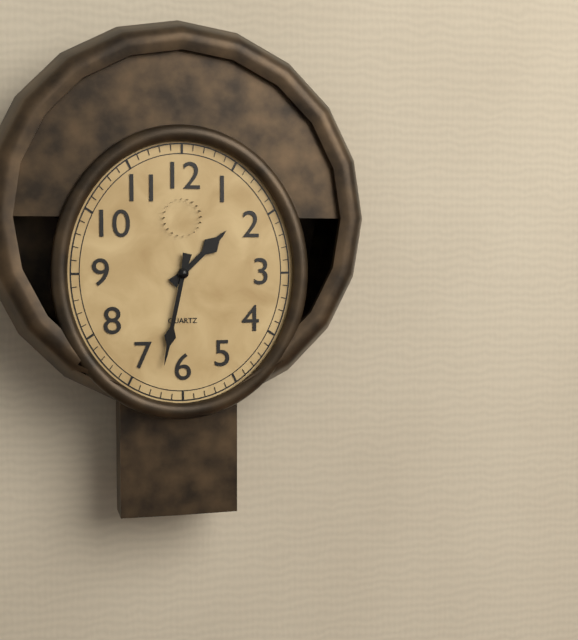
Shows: 1:32
